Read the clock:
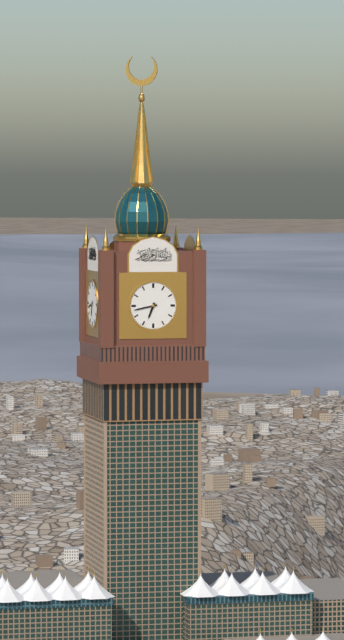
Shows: 6:43
